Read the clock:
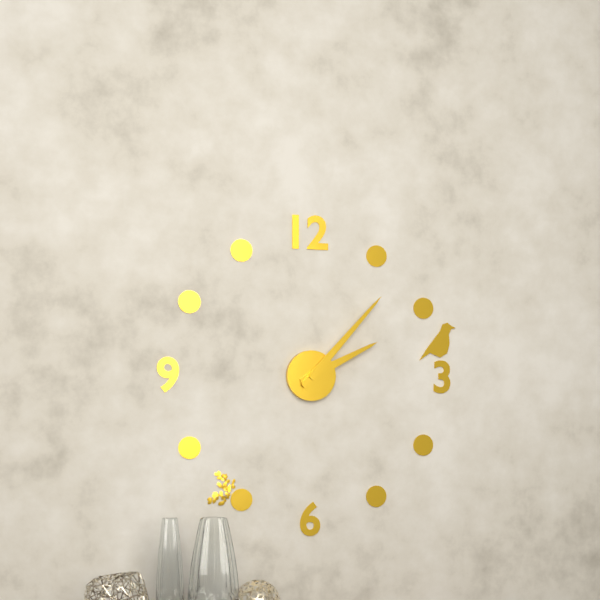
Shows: 2:07
